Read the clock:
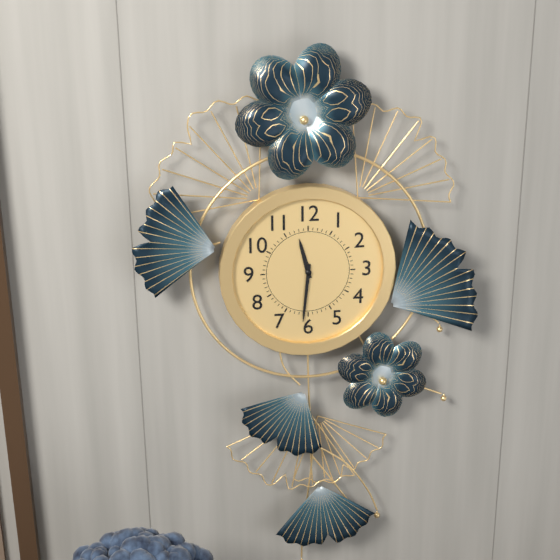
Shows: 11:31
